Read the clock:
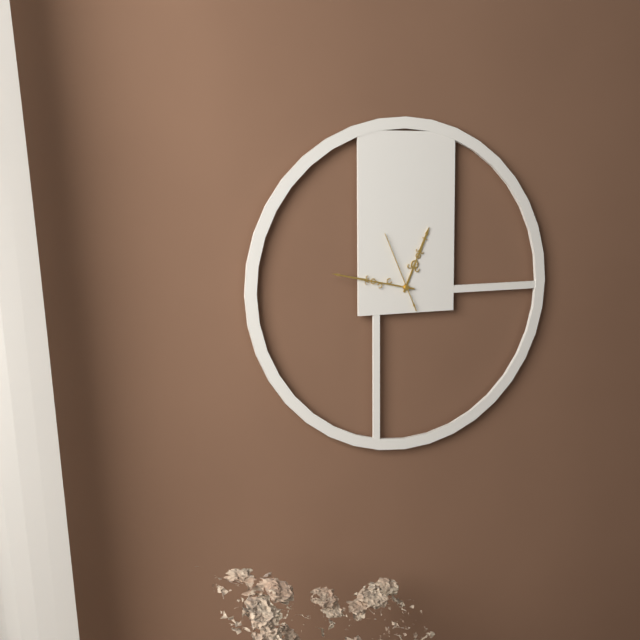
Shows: 12:47:56
